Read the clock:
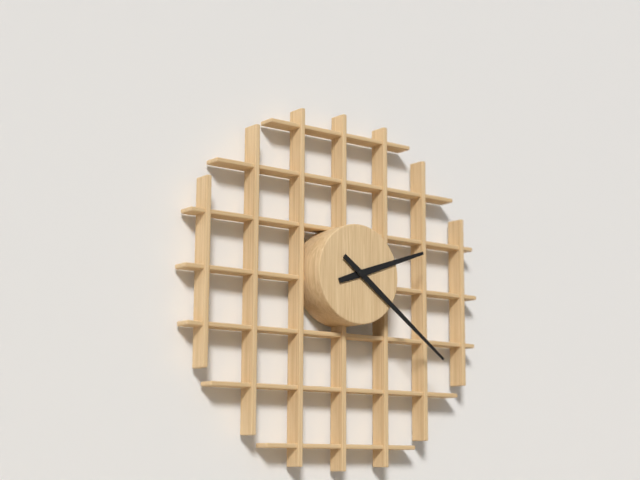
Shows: 2:21
